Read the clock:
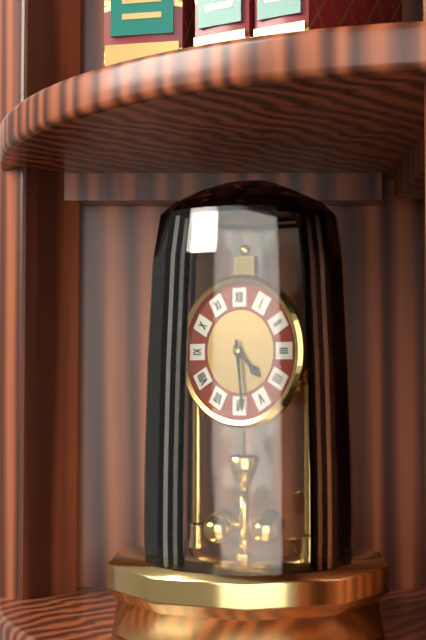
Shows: 4:29
